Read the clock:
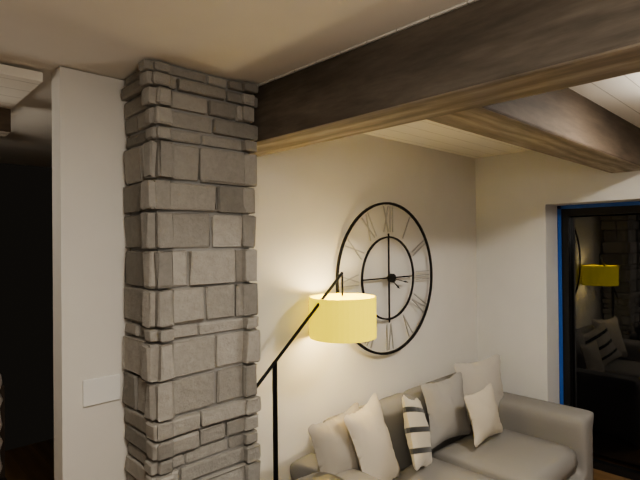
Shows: 4:17
